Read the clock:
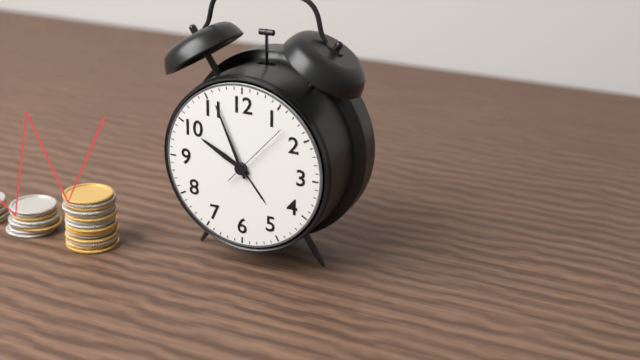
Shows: 9:56:07
